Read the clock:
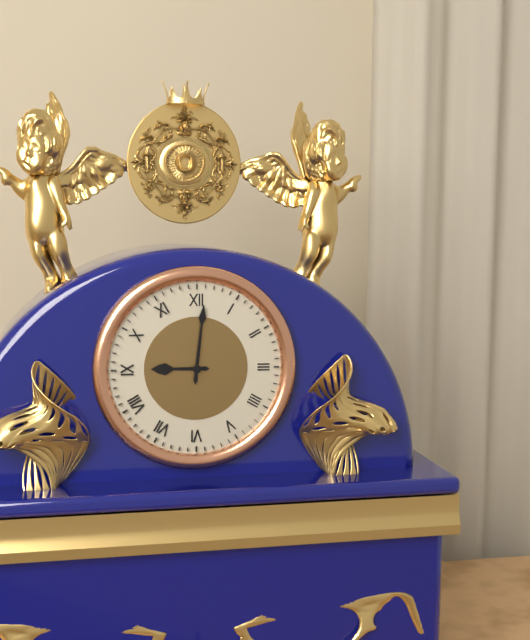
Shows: 9:01
